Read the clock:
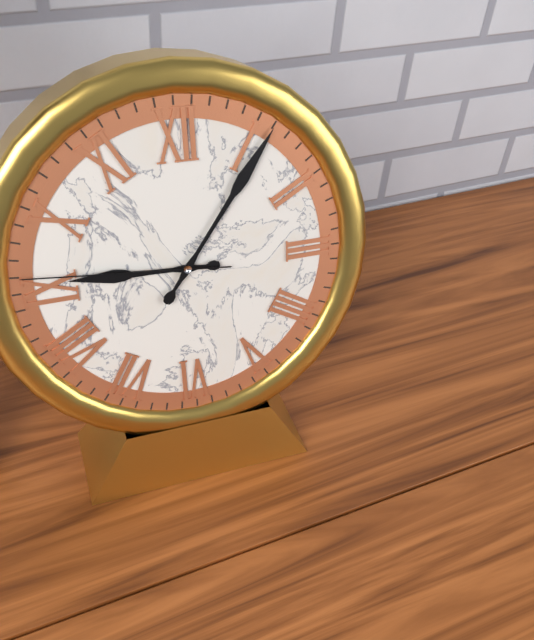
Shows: 9:06:46
